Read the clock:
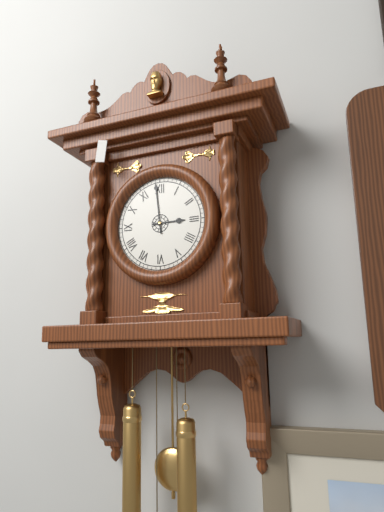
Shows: 2:59
